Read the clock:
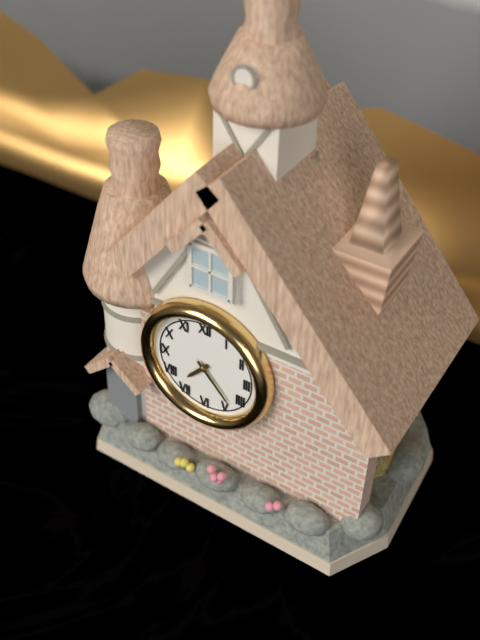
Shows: 7:23
